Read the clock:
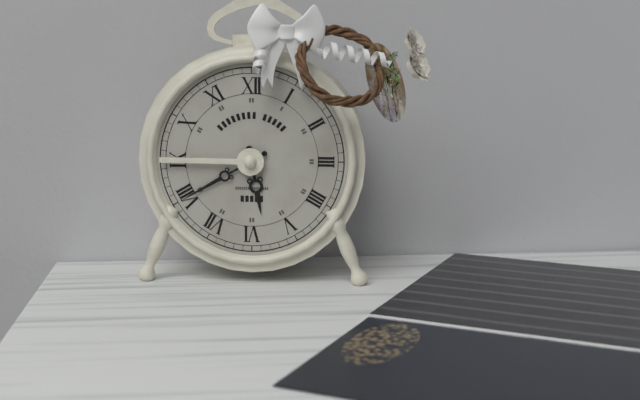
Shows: 5:40
